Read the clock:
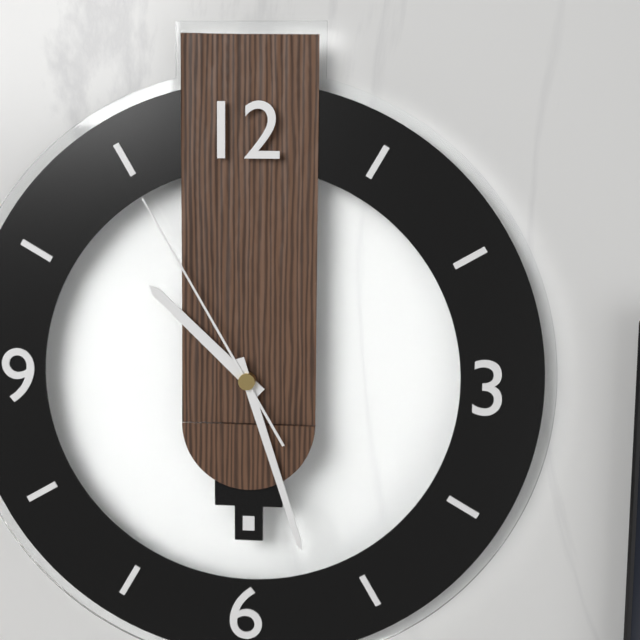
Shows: 10:27:55
